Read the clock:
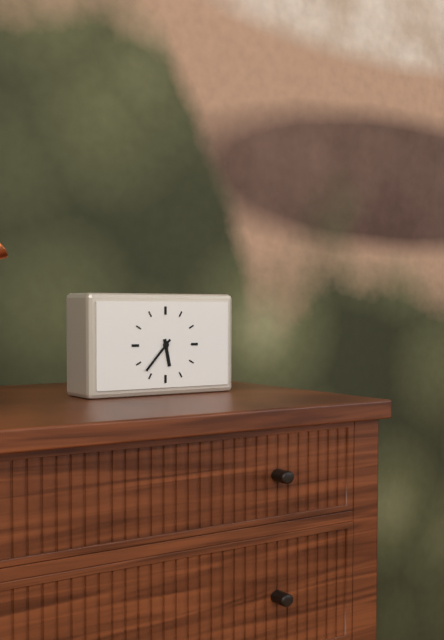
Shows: 5:37
